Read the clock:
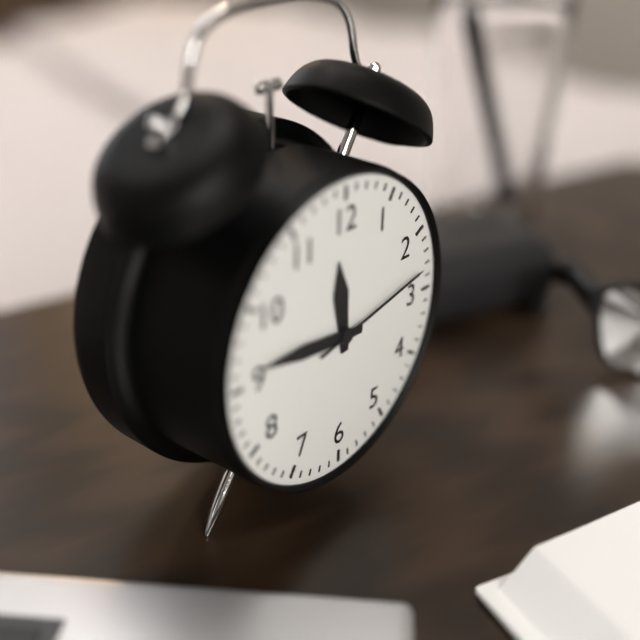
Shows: 11:46:13
